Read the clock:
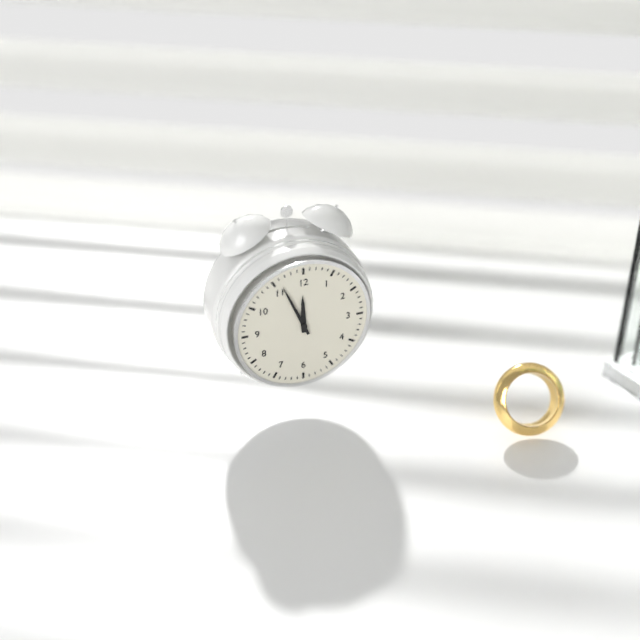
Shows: 11:56
